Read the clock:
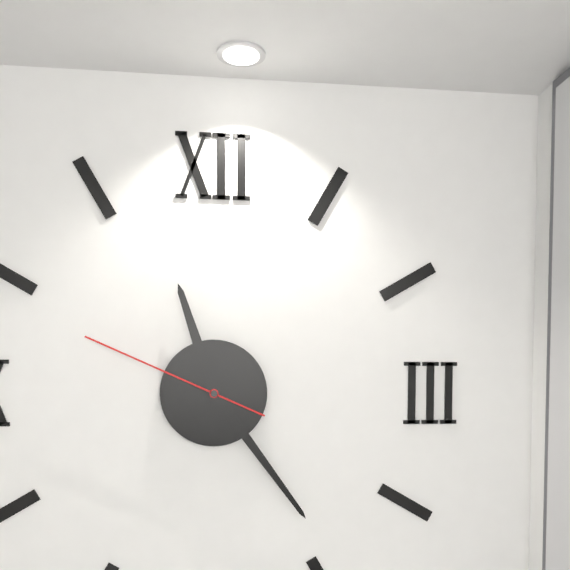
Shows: 11:24:49
